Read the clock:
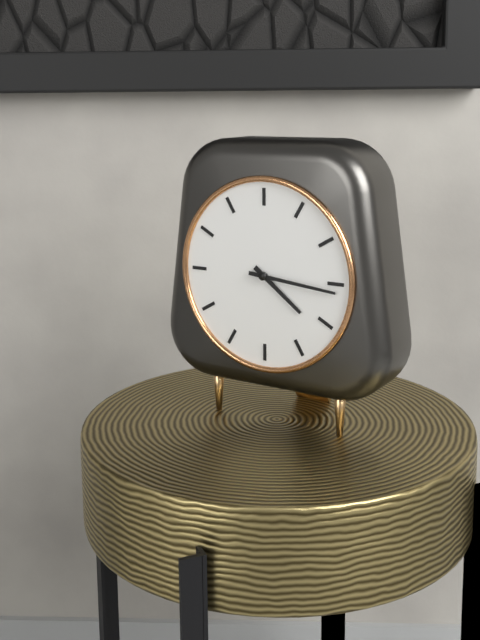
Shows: 4:16
